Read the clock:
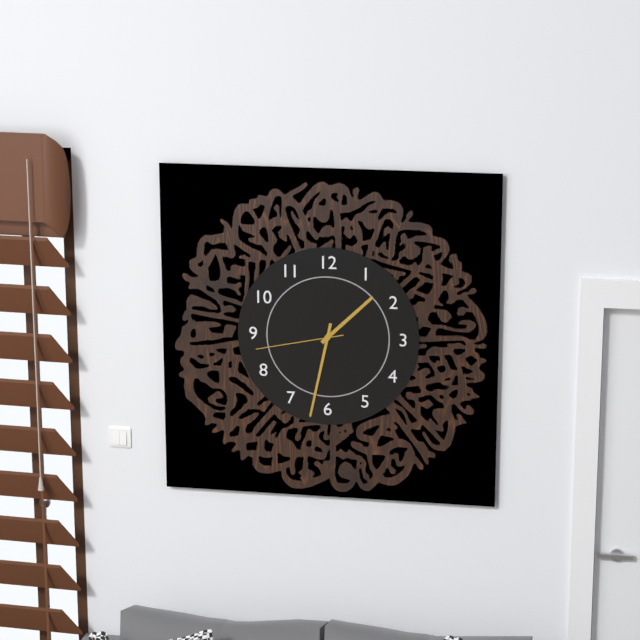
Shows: 1:32:43
